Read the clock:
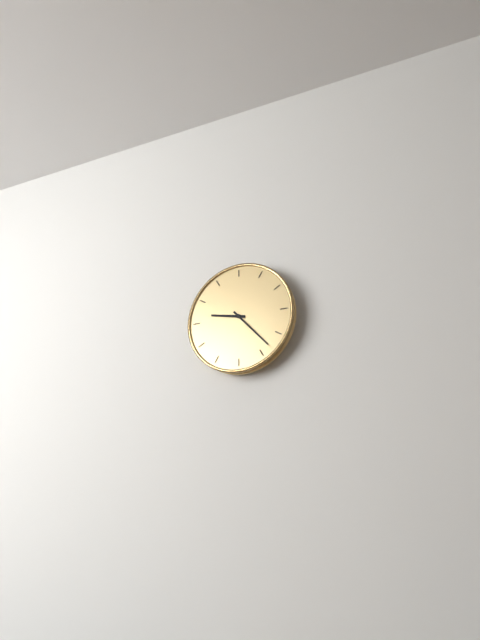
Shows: 9:23
